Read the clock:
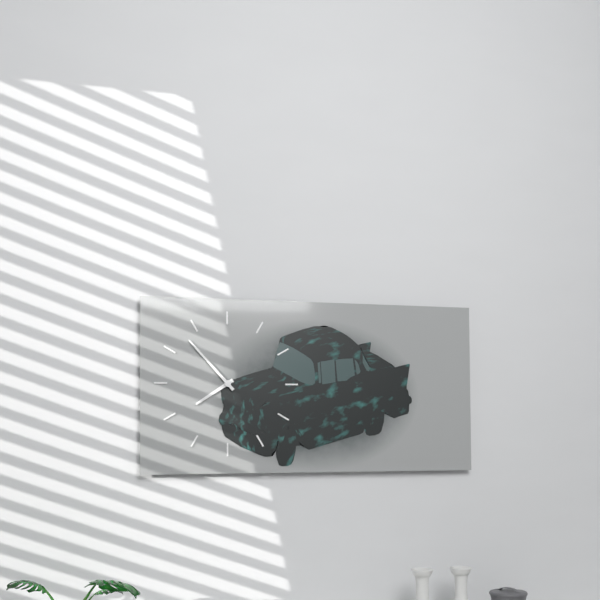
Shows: 7:53
